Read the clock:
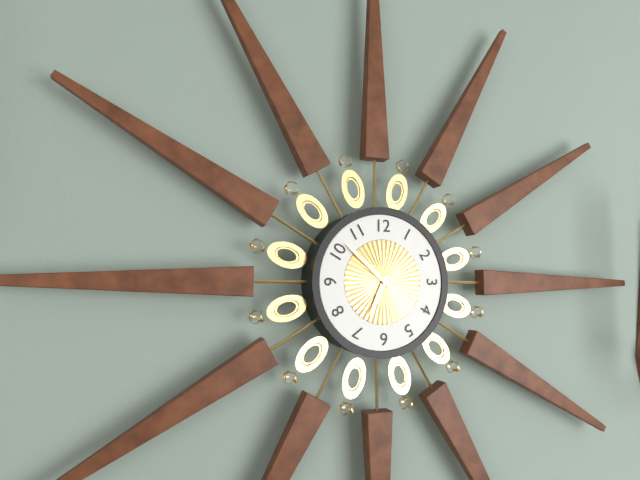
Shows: 6:52
